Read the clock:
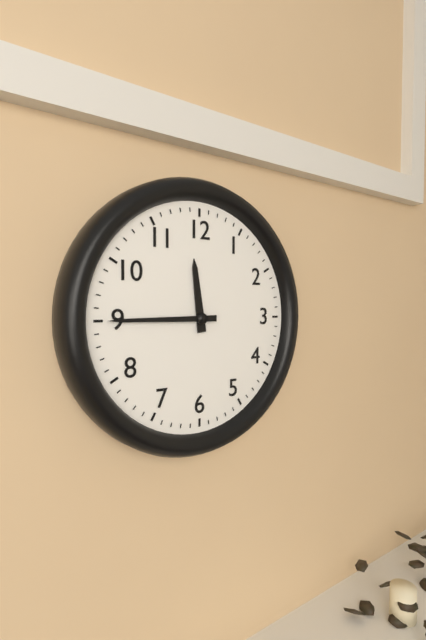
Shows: 11:45
